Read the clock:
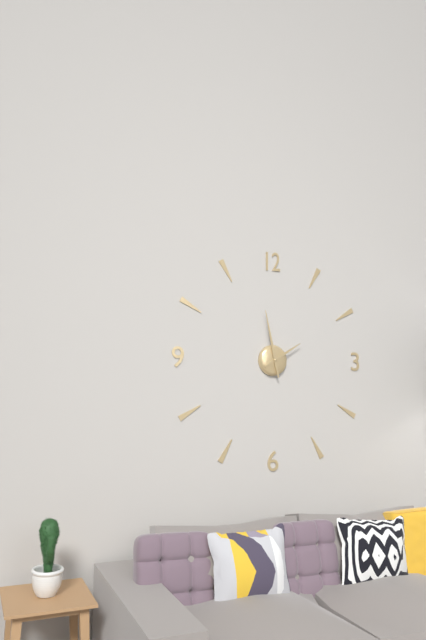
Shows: 1:58
